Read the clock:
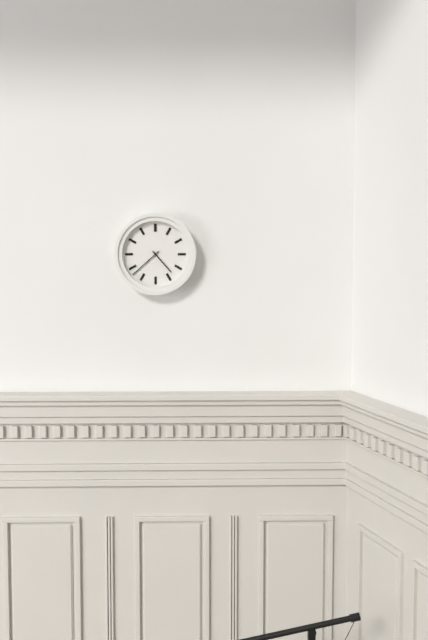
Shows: 4:38
